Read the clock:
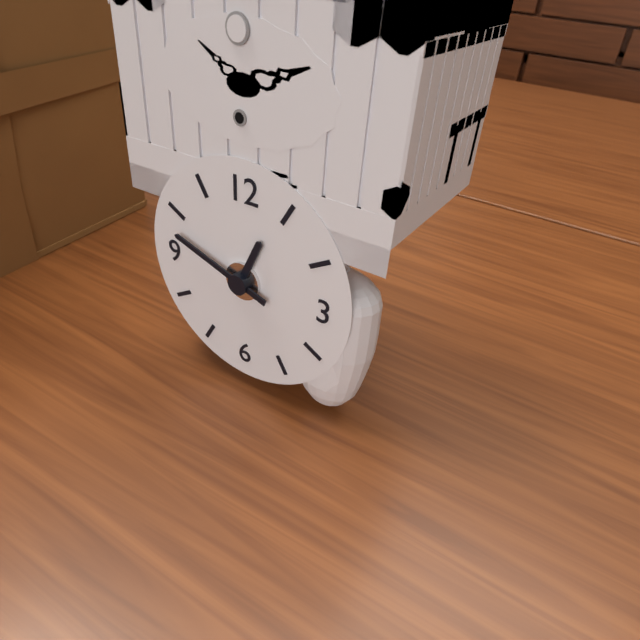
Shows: 12:48
